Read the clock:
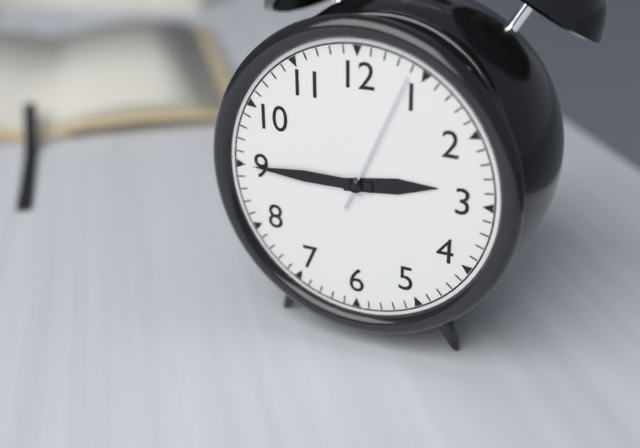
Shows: 2:45:04
